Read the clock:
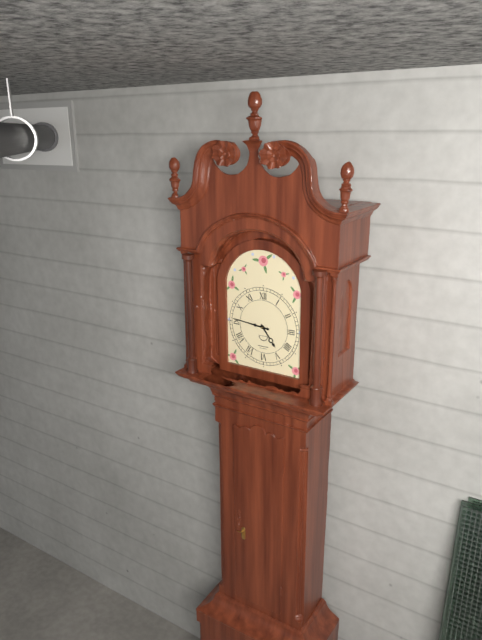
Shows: 4:46
